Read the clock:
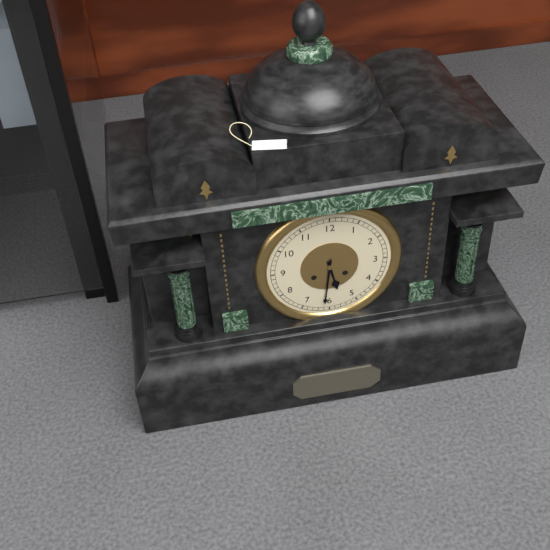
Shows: 5:31
